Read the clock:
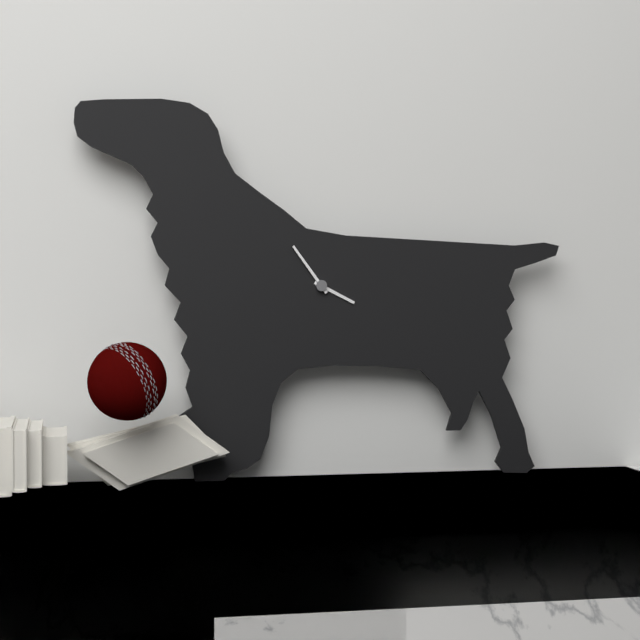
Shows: 3:54
